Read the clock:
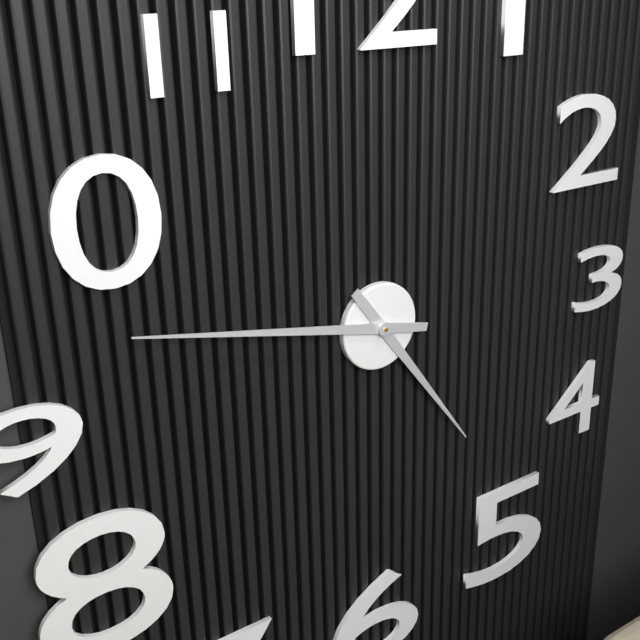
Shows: 4:47
